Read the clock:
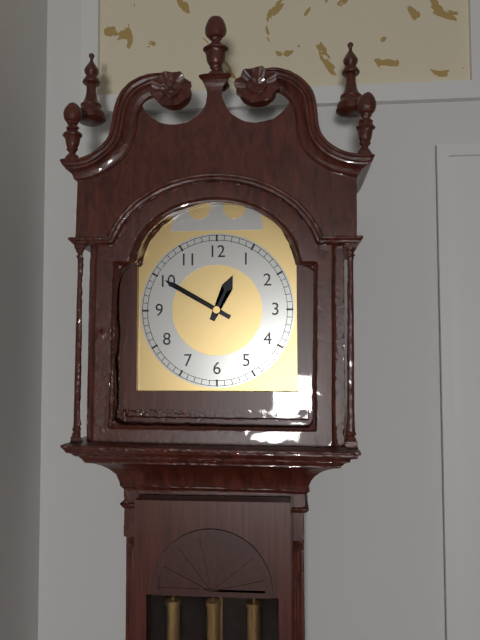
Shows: 12:50
